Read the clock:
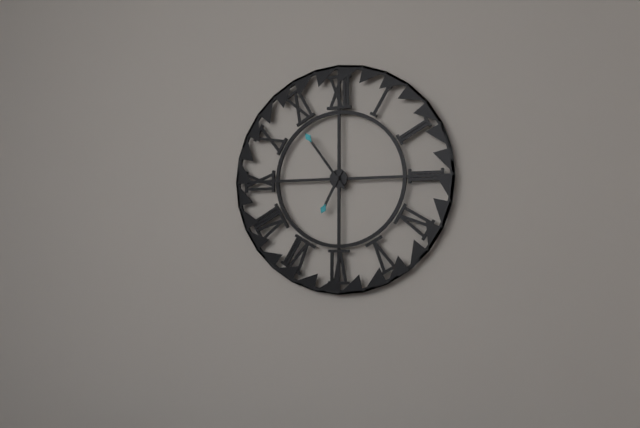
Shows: 6:54
